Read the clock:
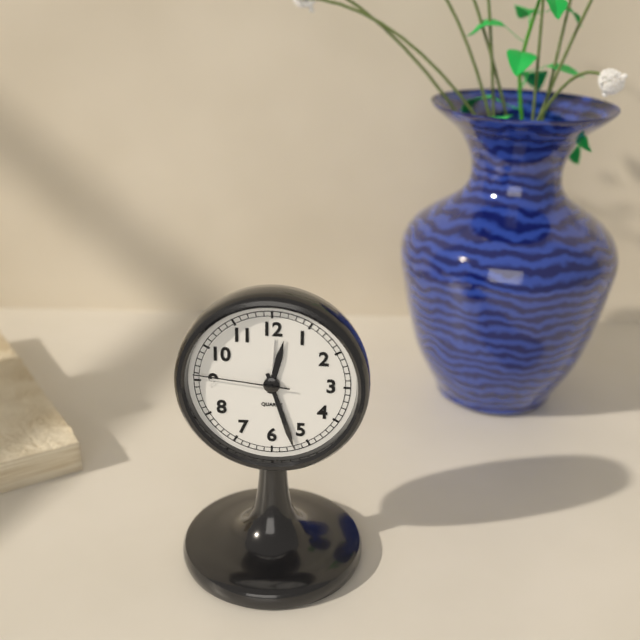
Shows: 12:27:46
